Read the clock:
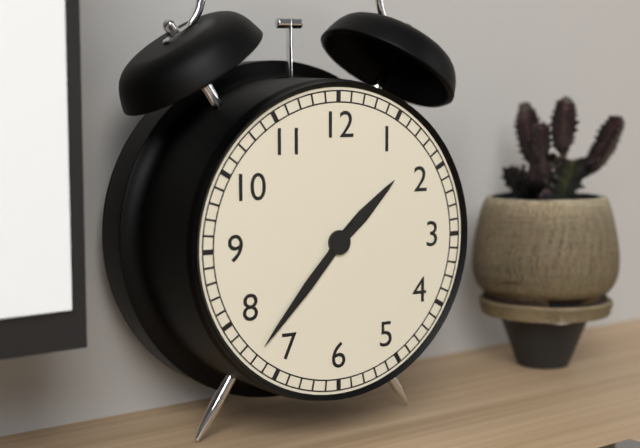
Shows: 1:37
